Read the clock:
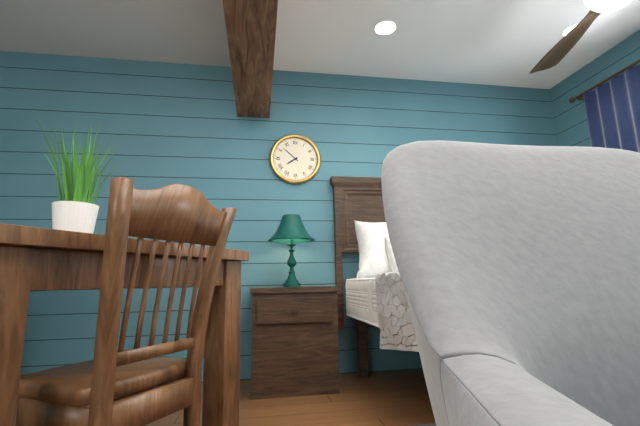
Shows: 7:52
